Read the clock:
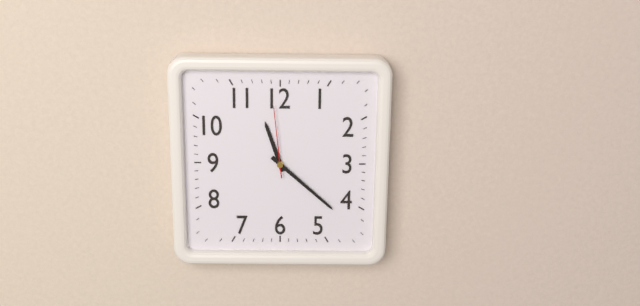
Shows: 11:22:59
